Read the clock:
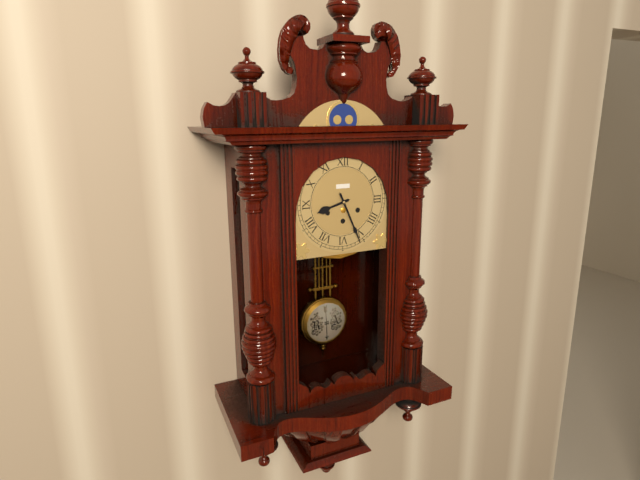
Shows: 8:26
